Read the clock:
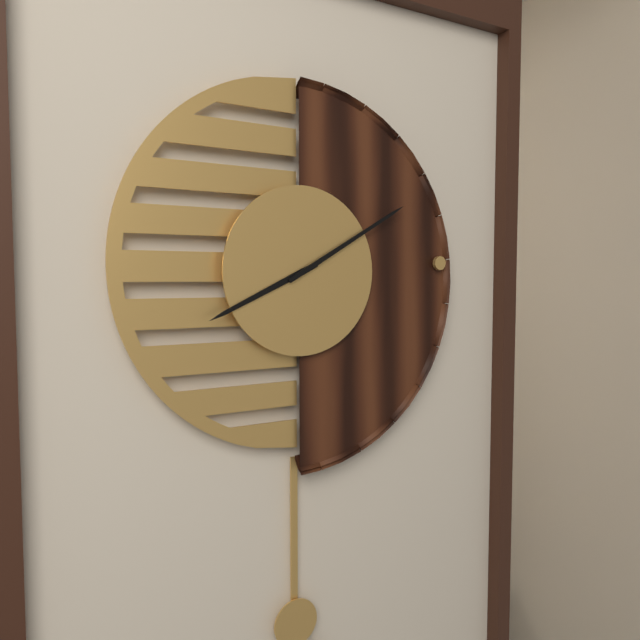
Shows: 8:10
